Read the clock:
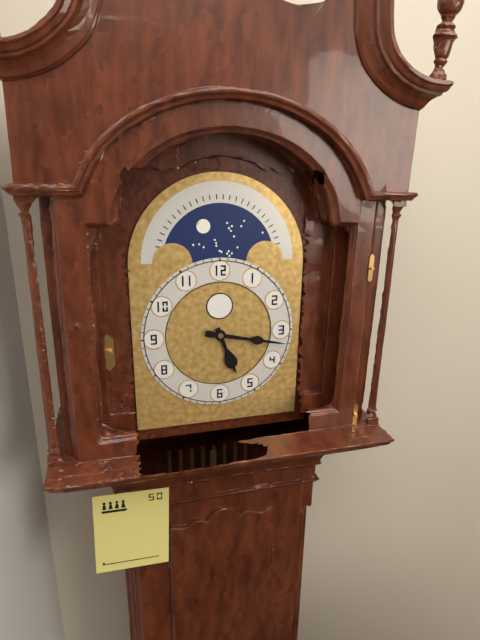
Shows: 5:17
